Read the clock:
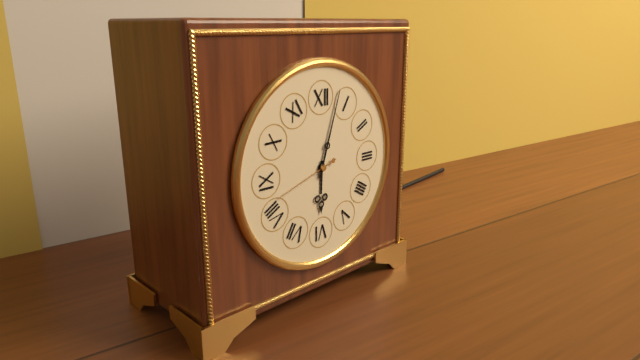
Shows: 6:03:42
